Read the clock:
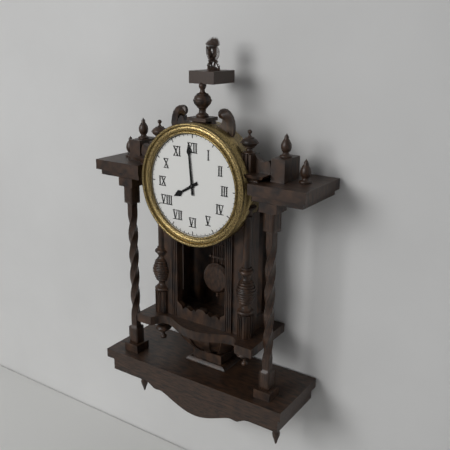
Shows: 7:59
